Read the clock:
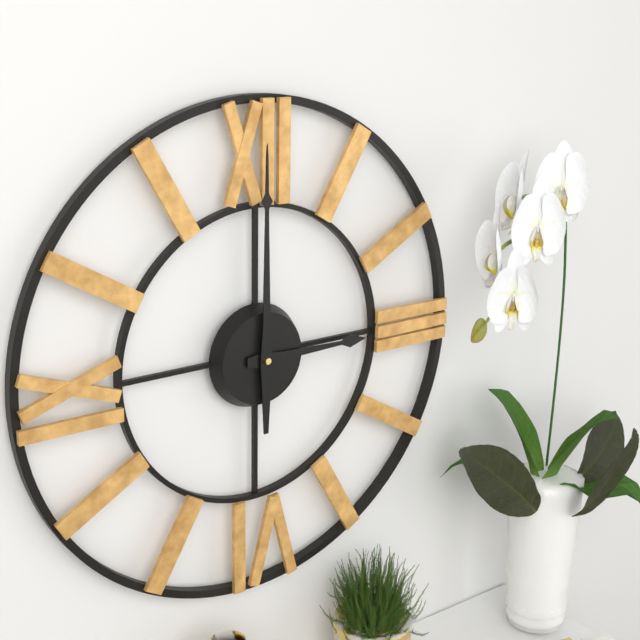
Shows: 3:00
